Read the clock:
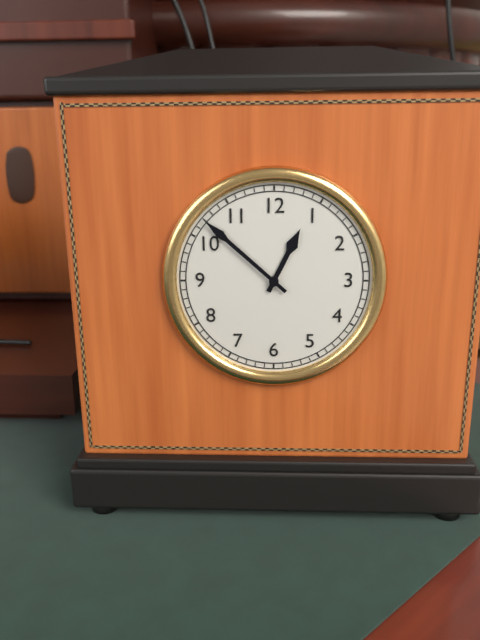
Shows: 12:52
